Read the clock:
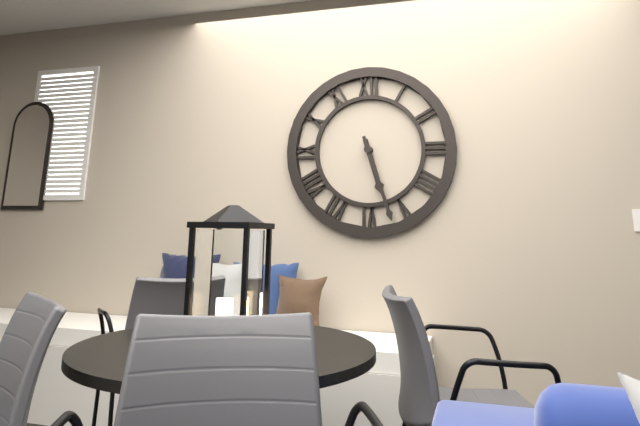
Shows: 5:27
